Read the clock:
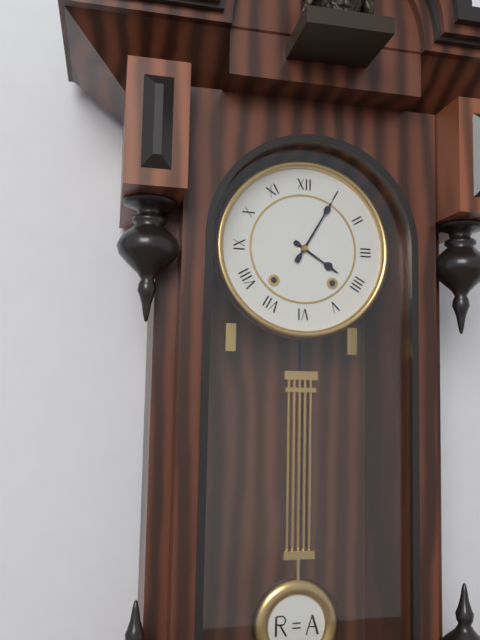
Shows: 4:05
